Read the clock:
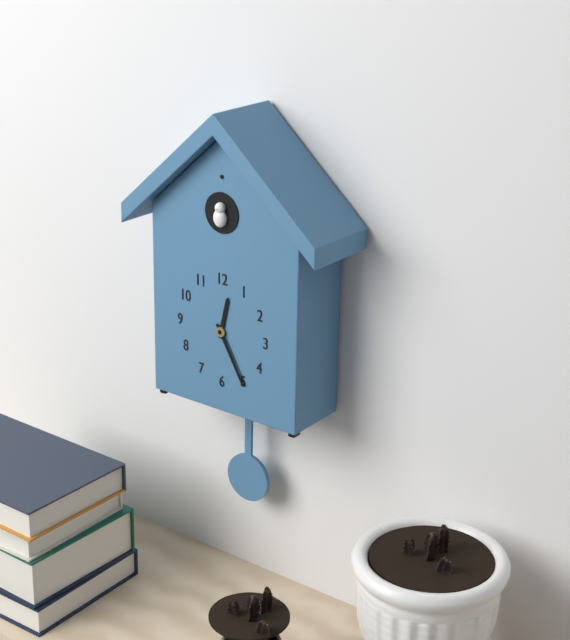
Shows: 12:25
